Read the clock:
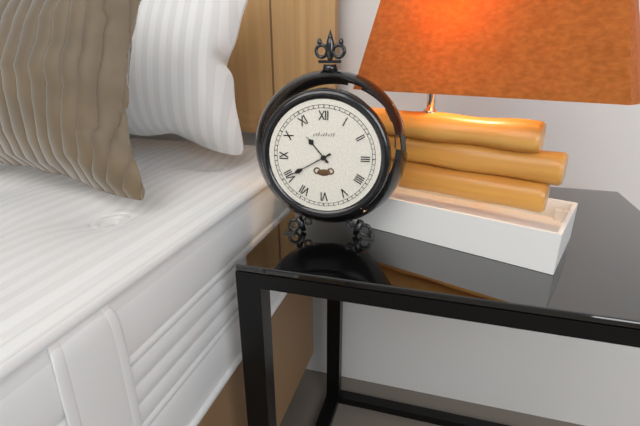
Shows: 10:40
